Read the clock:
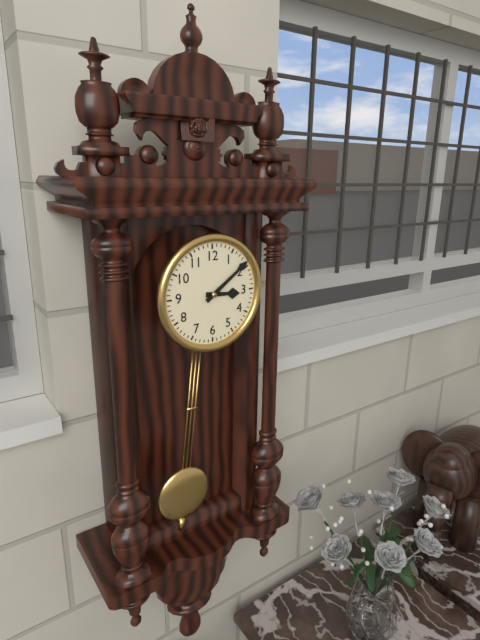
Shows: 3:09
